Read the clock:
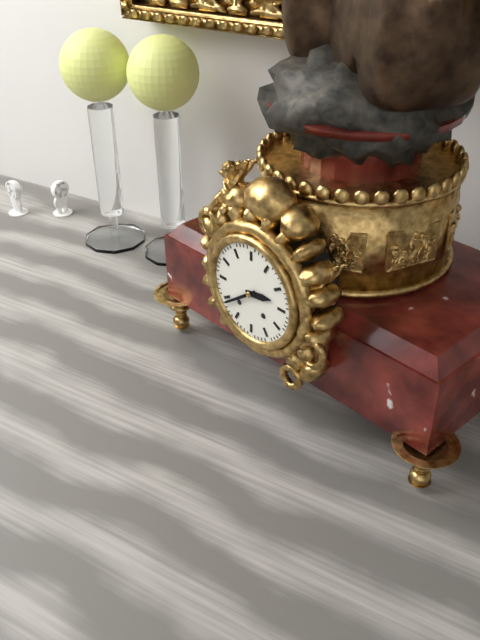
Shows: 2:39
